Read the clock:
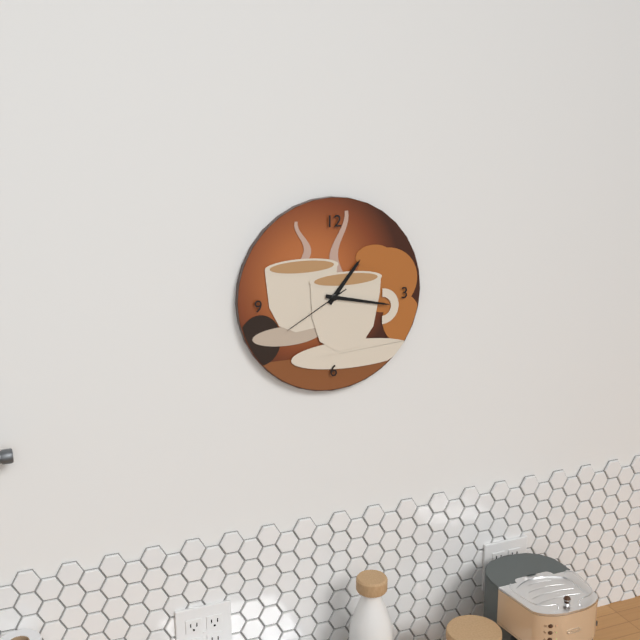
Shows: 1:17:40
